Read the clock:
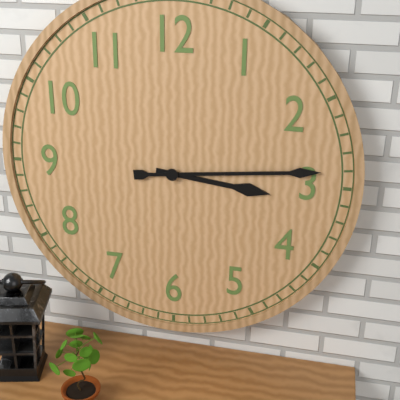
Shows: 3:14
